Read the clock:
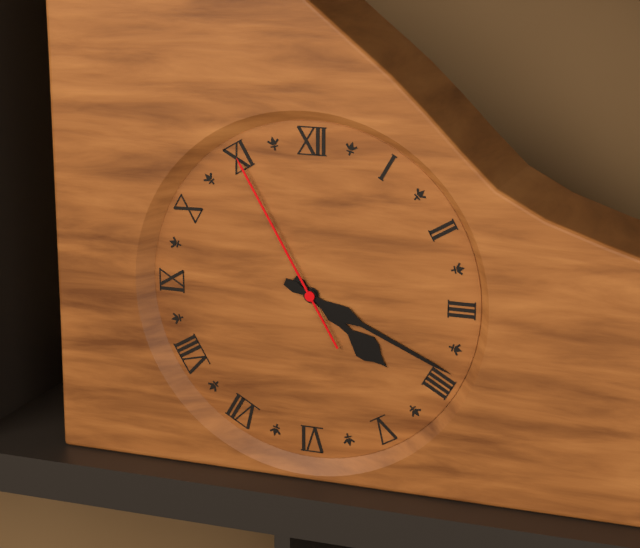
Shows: 4:19:55
